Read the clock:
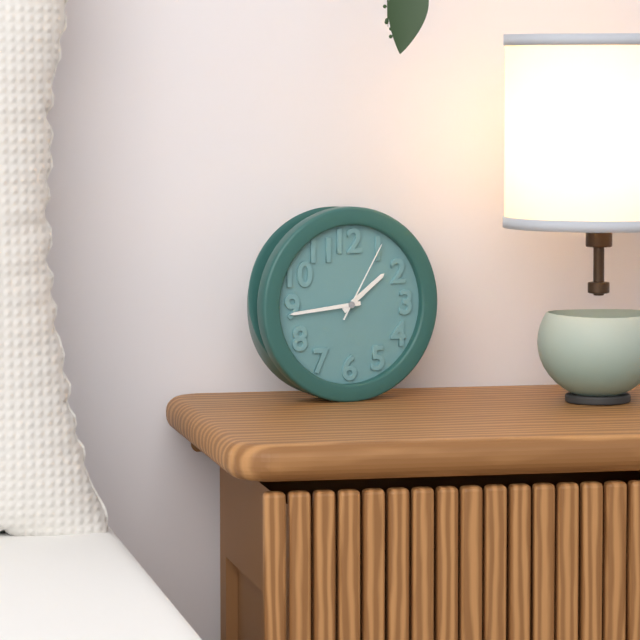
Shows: 1:44:05
